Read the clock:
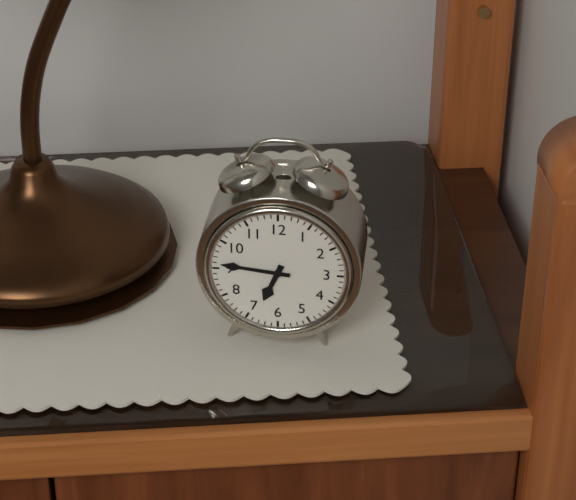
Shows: 6:46
